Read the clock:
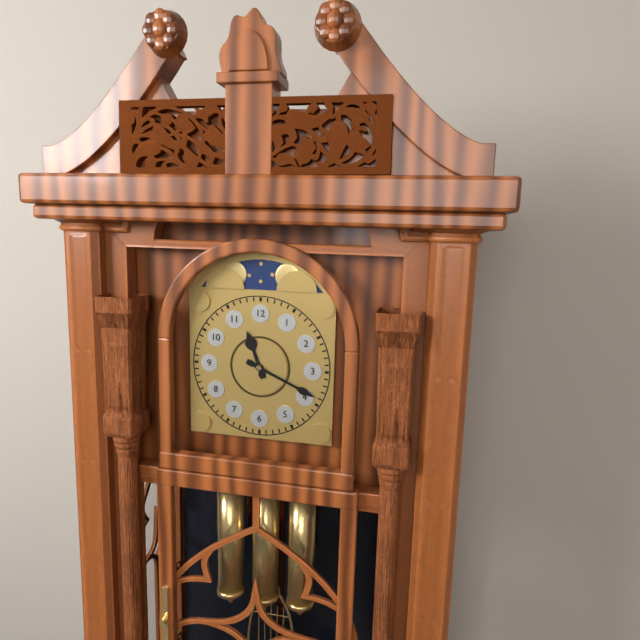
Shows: 11:19
